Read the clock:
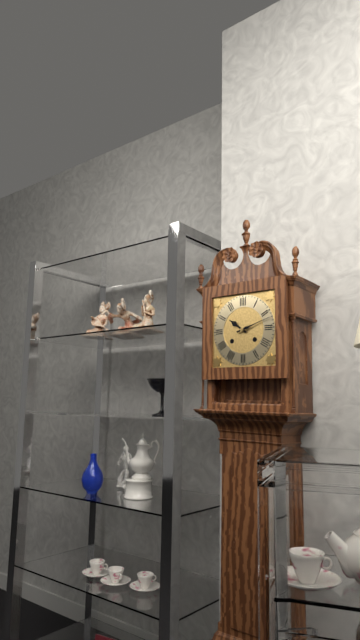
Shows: 10:12
